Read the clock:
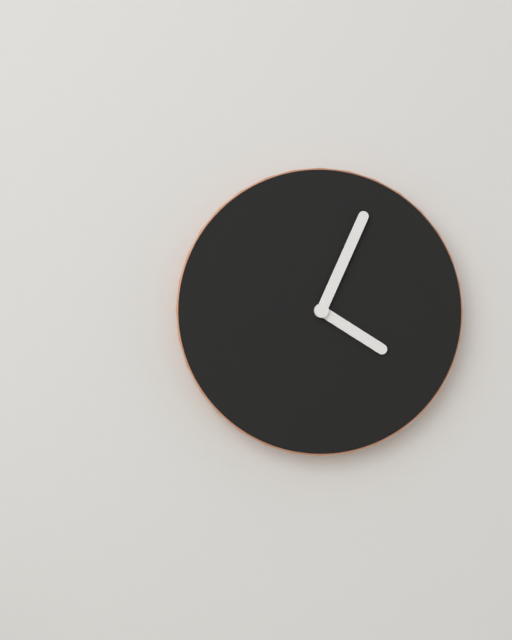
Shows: 4:04
